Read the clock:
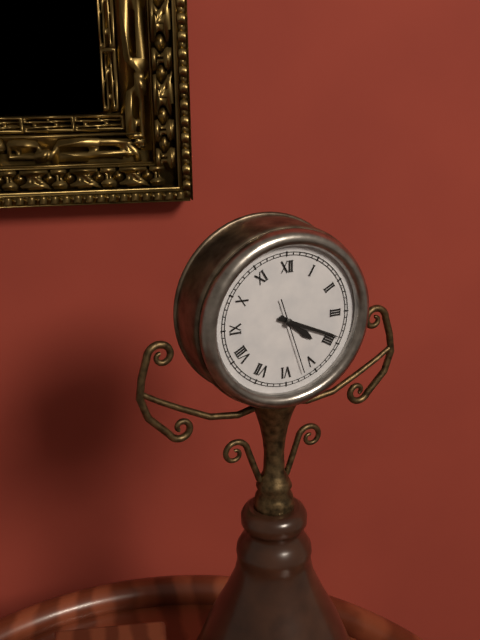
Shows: 4:19:27
